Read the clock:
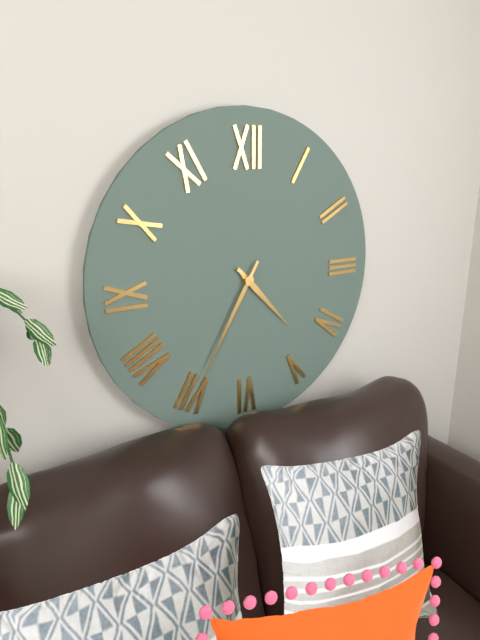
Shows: 4:35
